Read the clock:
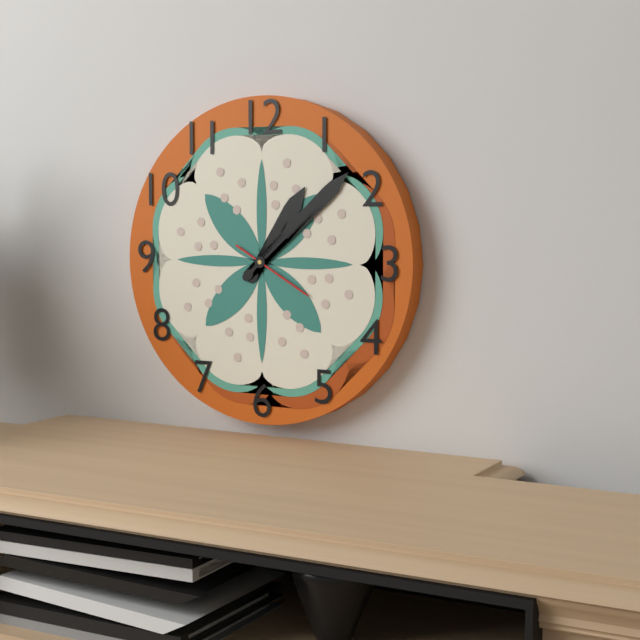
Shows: 1:08:20
